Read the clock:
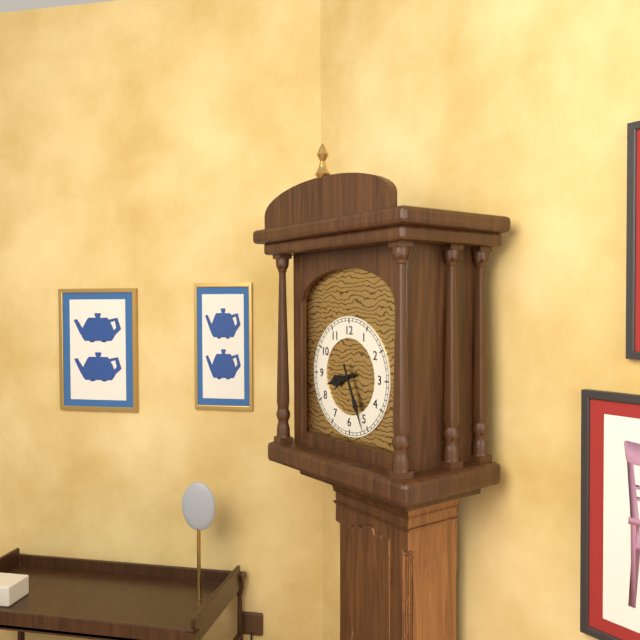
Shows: 8:26
